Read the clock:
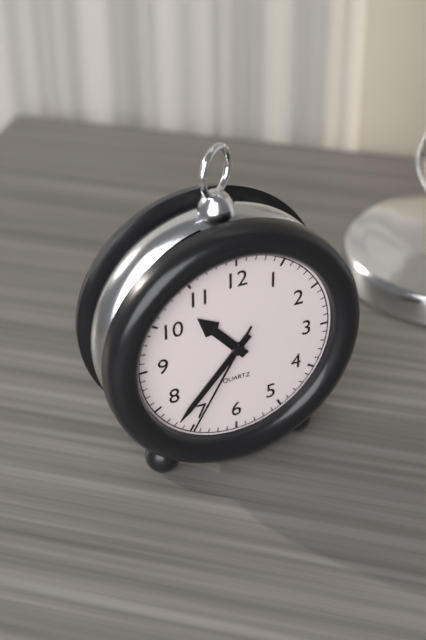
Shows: 10:37:35
